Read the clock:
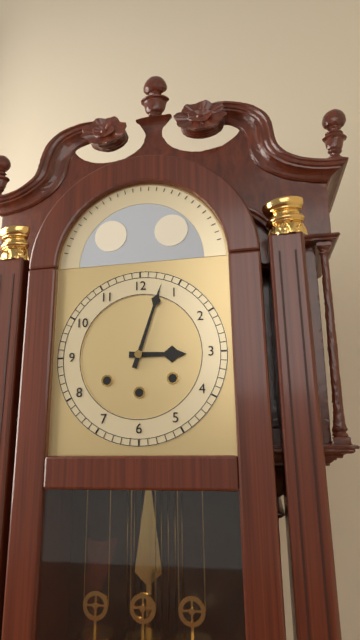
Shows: 3:03
